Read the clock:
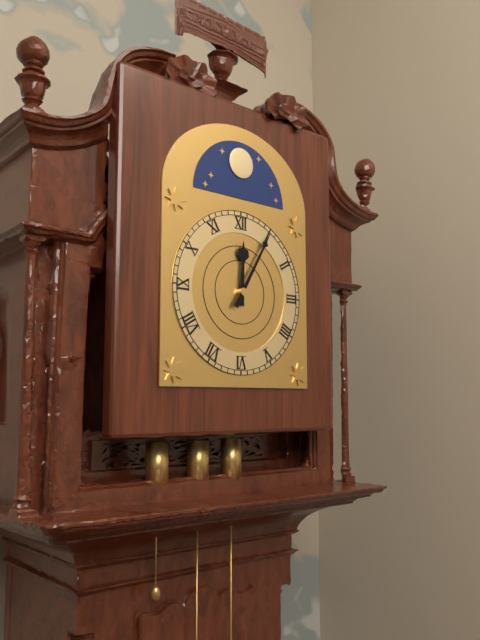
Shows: 12:05
